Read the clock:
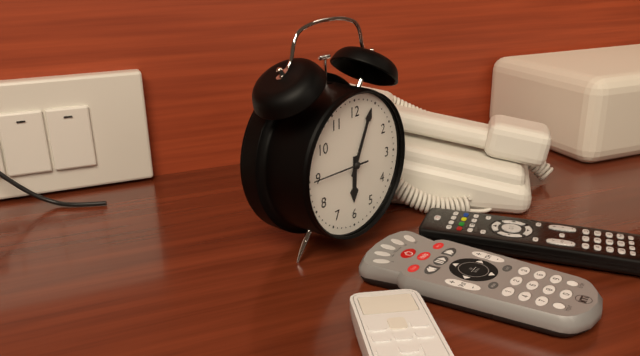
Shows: 6:04:45
